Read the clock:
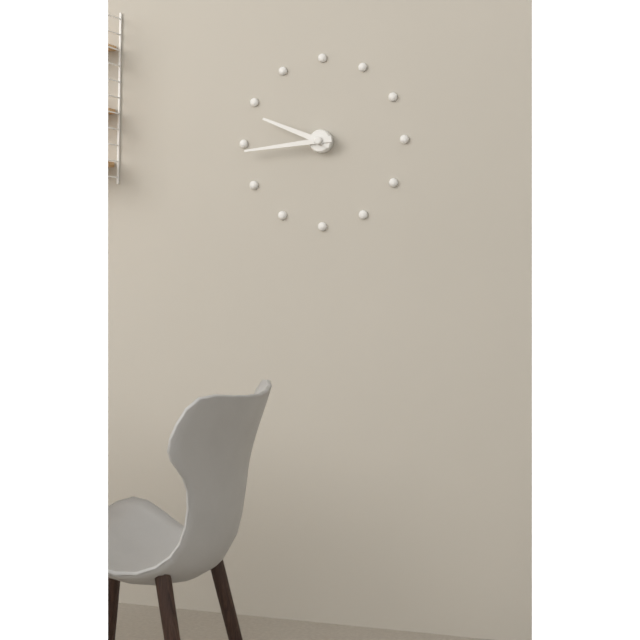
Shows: 9:44
